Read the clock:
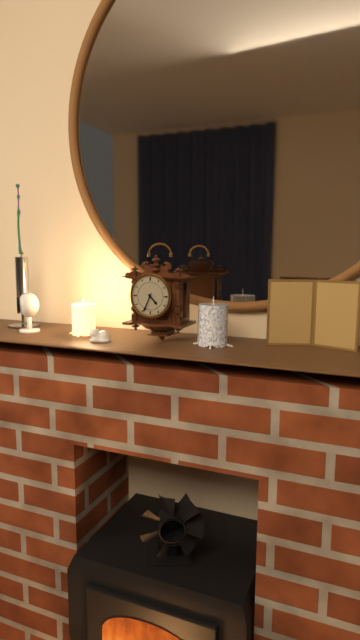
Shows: 4:34
